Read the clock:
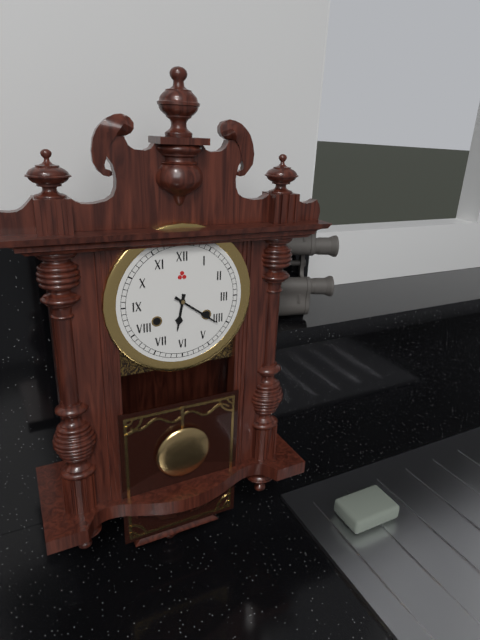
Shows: 6:21
